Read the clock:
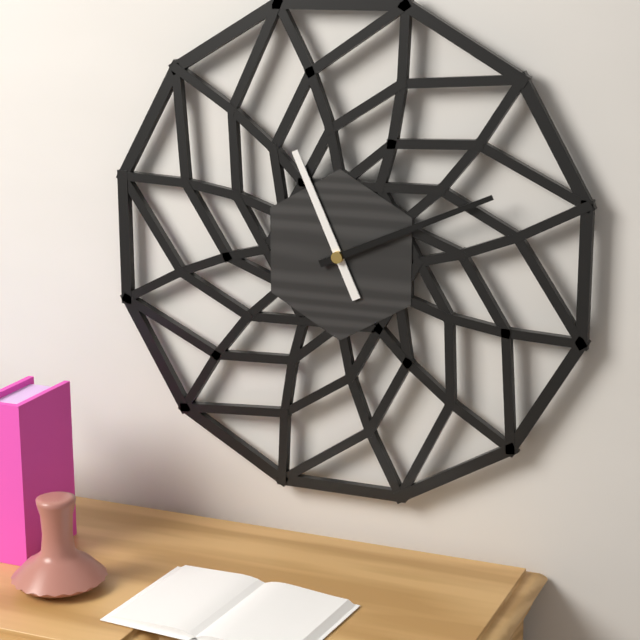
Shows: 11:11
